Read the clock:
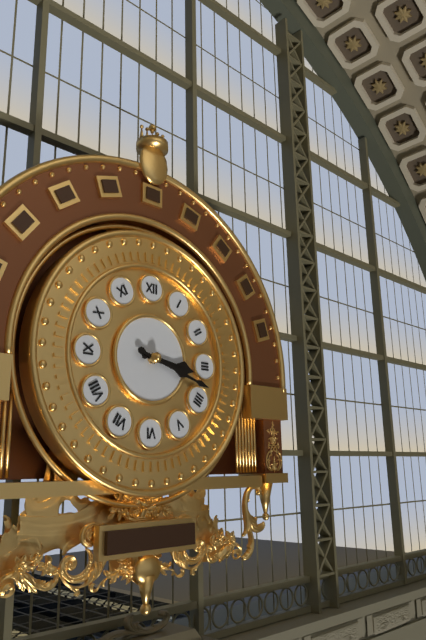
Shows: 3:18
